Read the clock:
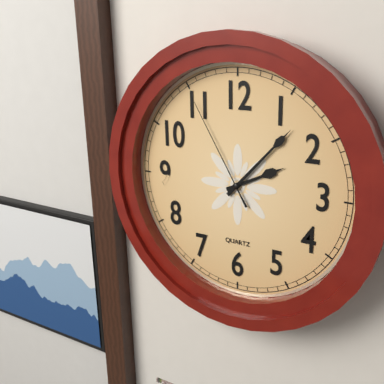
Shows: 2:07:55
